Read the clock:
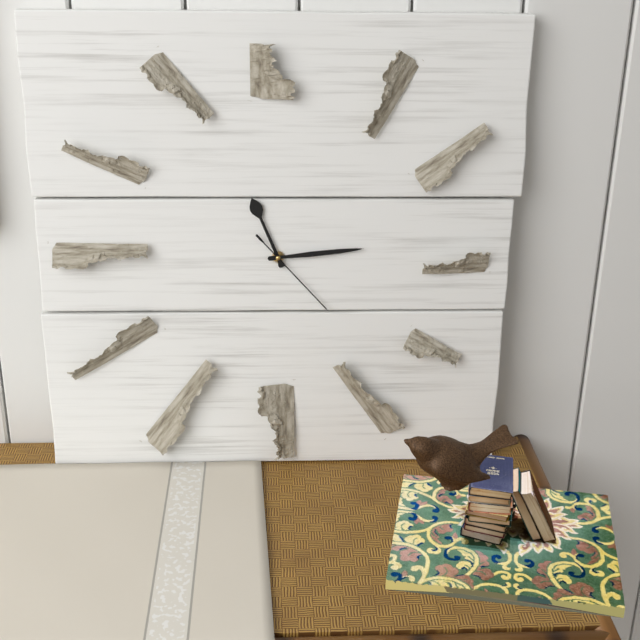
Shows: 11:14:23
